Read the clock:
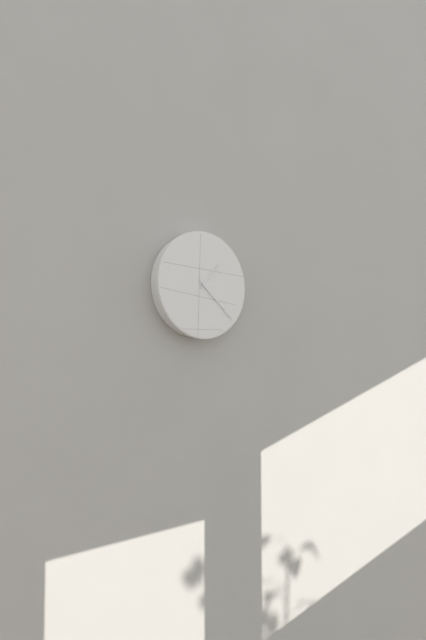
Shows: 1:22
